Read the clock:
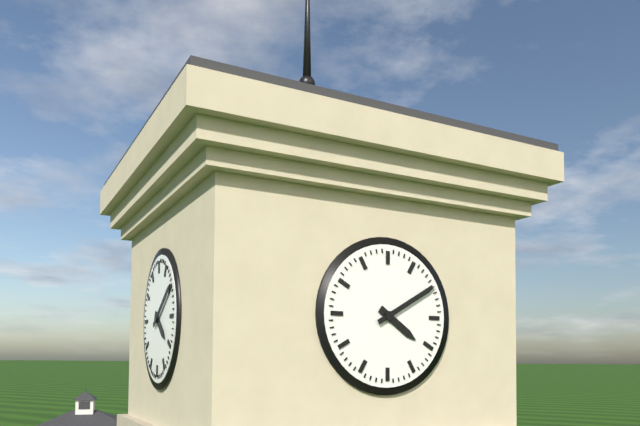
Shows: 4:10
